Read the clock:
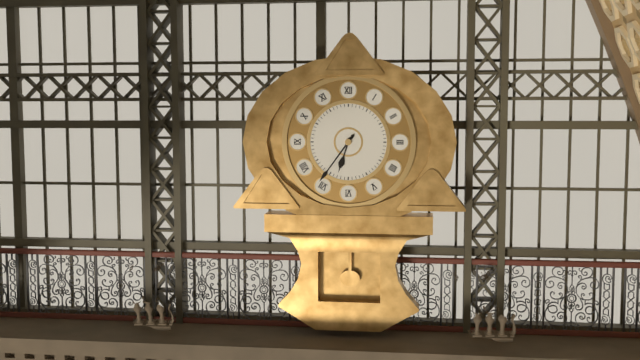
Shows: 6:36
